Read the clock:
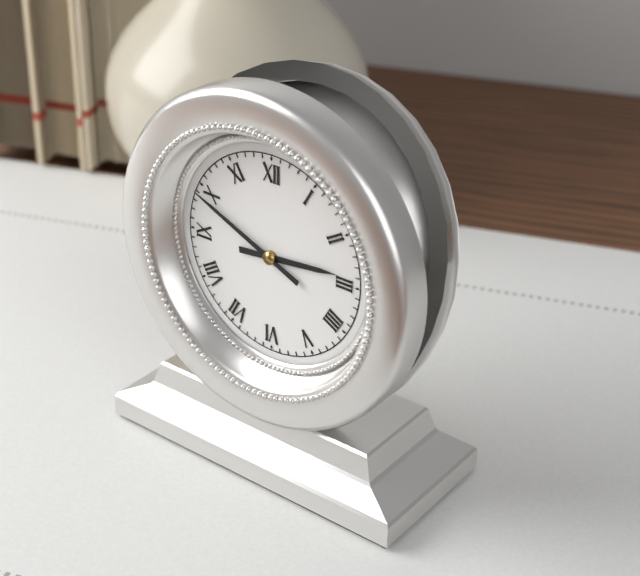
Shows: 2:49
